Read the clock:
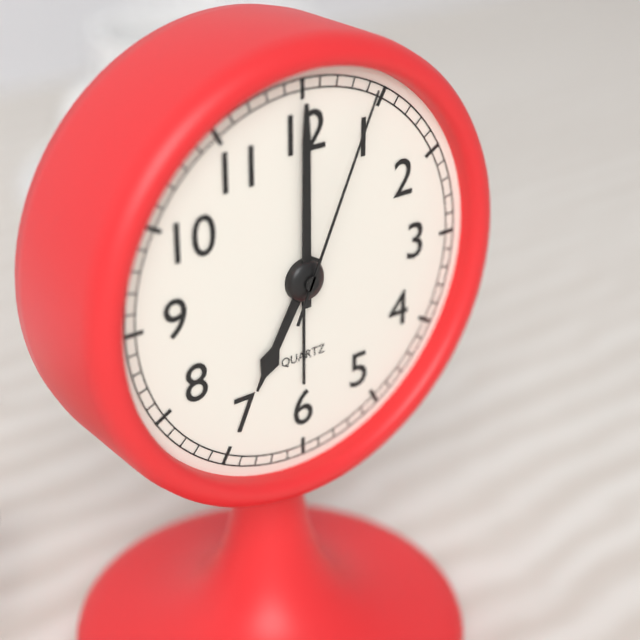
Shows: 7:00:04
